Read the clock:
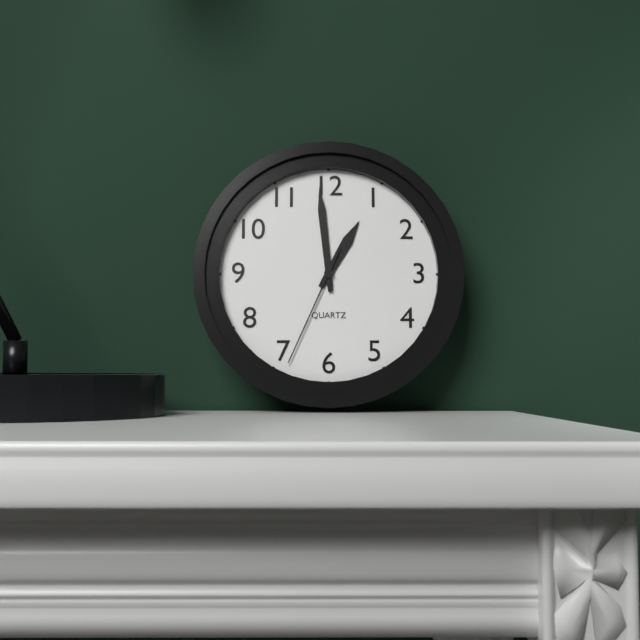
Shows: 12:59:34
